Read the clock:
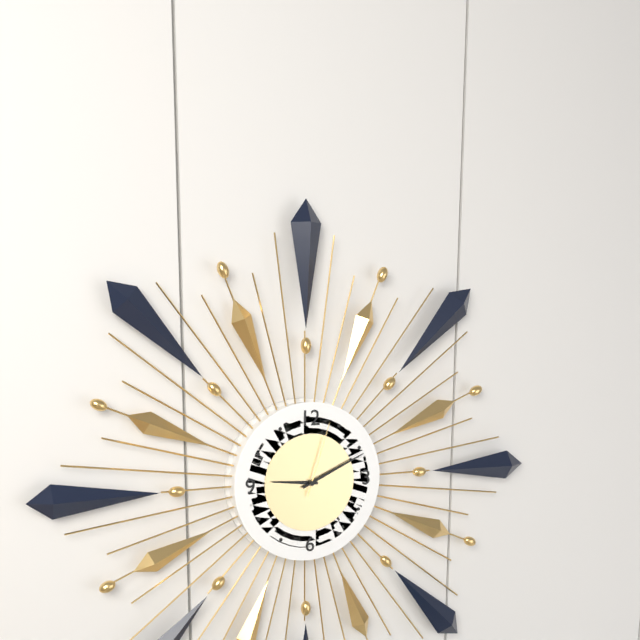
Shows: 9:11:03
